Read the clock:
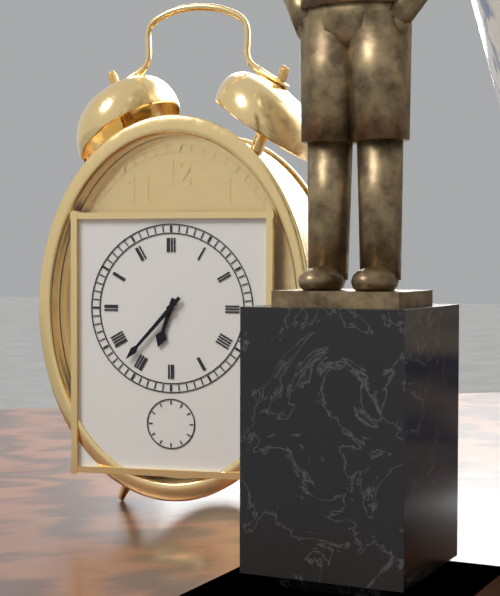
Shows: 6:37
